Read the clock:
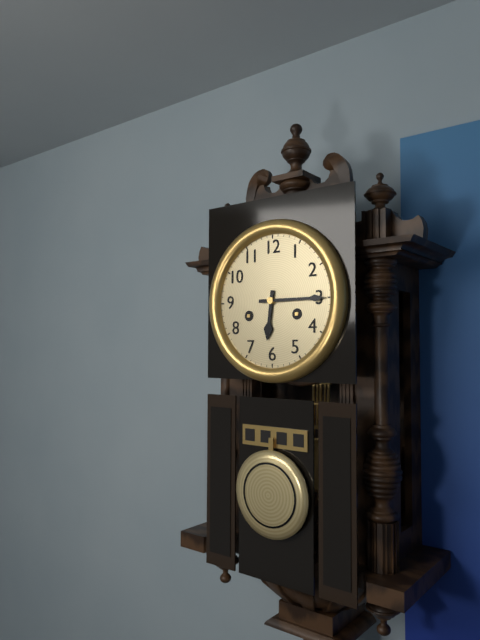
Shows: 6:15
